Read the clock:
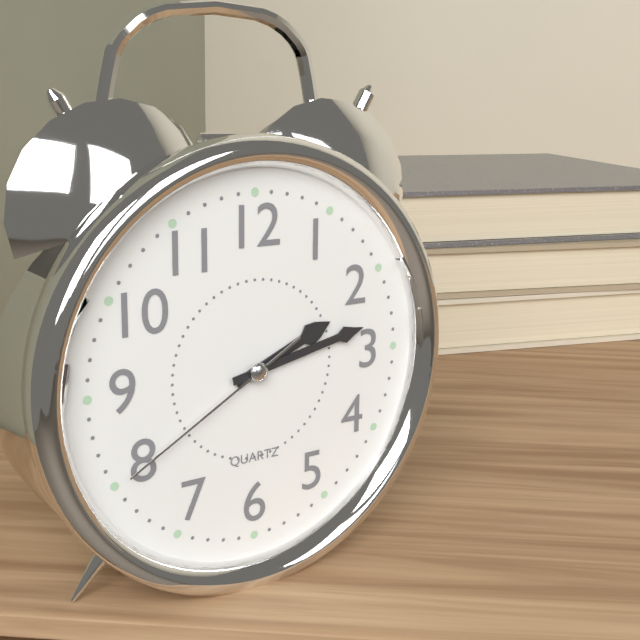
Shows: 2:13:40
